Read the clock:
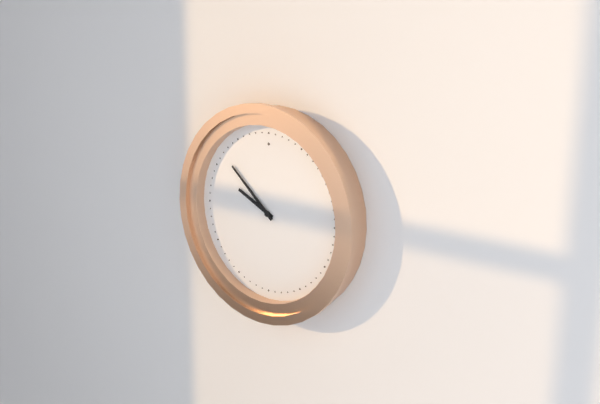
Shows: 9:52
